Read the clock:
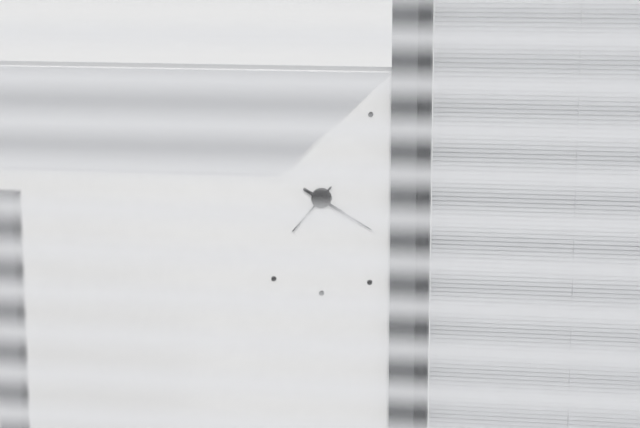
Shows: 7:20
